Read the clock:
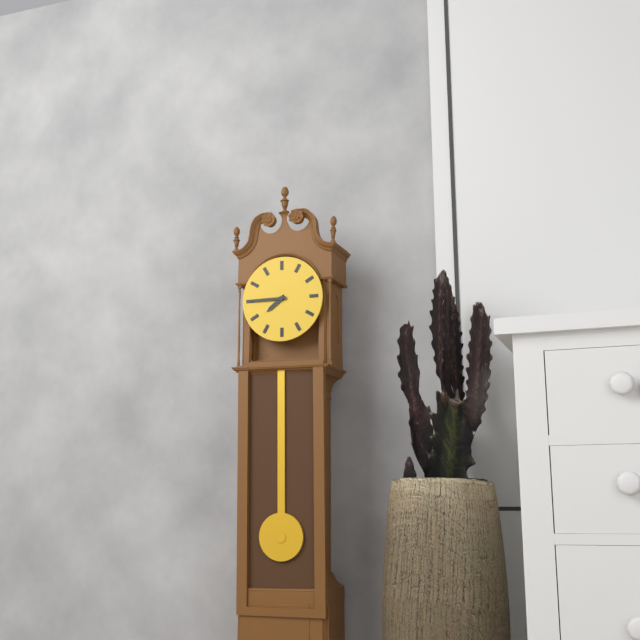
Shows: 7:45
